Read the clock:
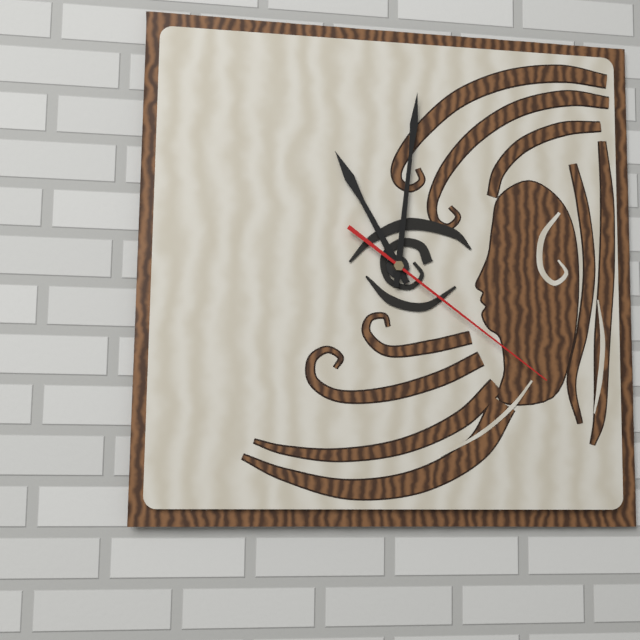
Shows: 11:01:21
